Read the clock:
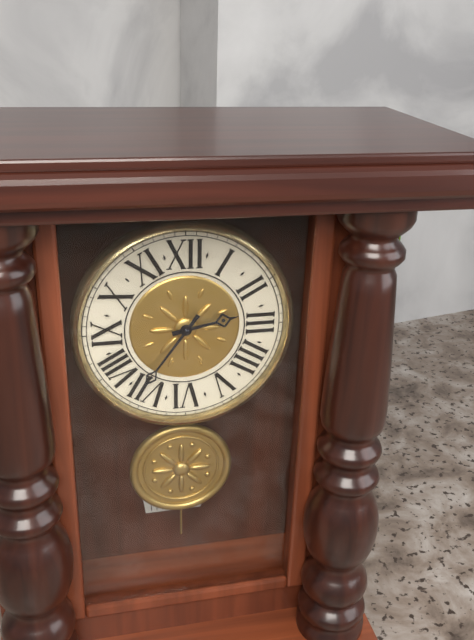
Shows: 2:36
